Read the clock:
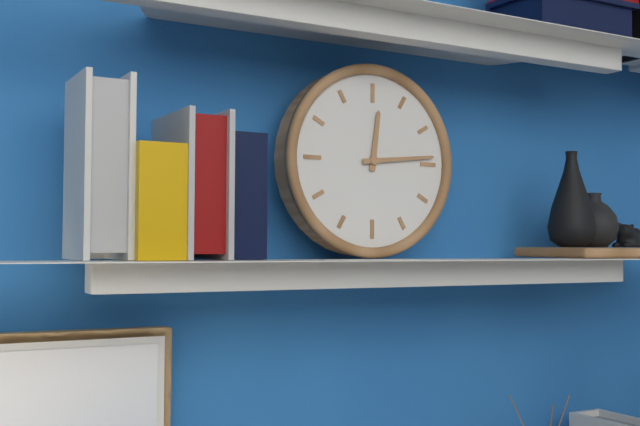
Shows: 12:14
